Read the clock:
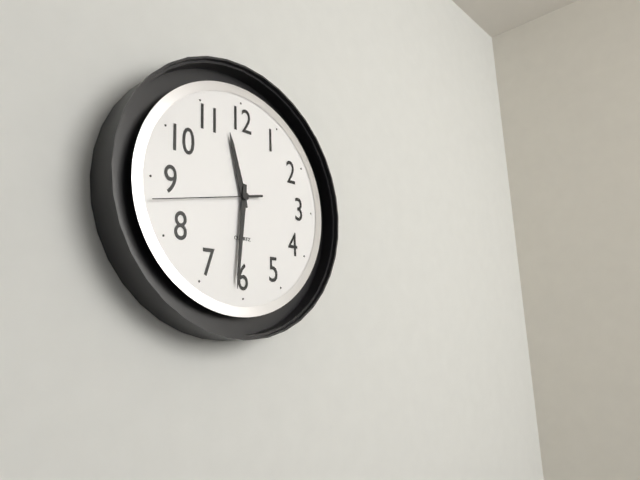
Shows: 11:31:43
